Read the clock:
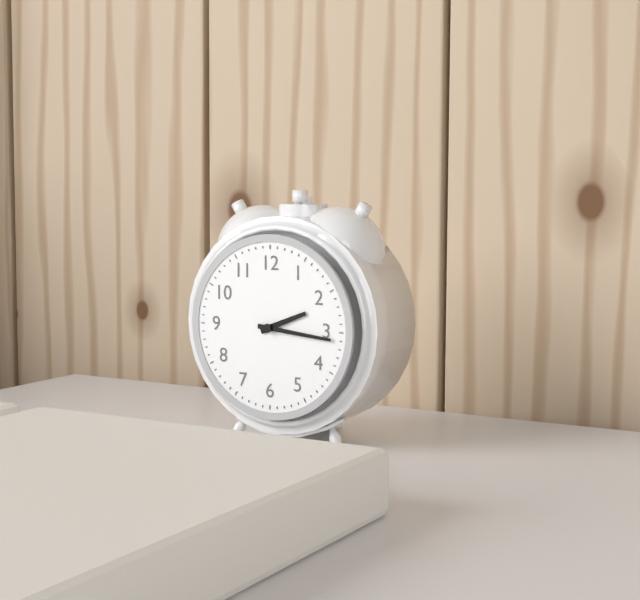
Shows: 2:16
